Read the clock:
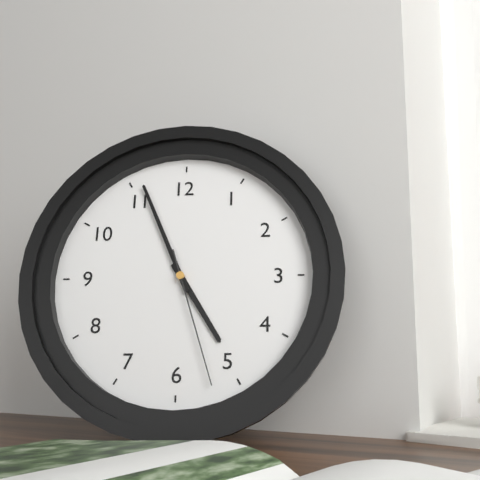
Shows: 4:56:27
